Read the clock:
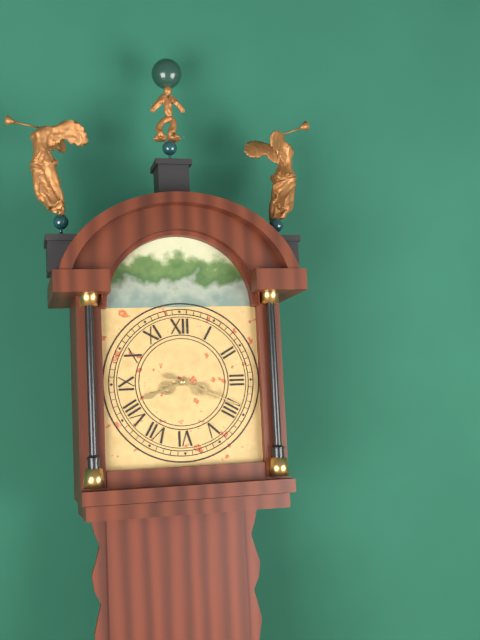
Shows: 8:19
